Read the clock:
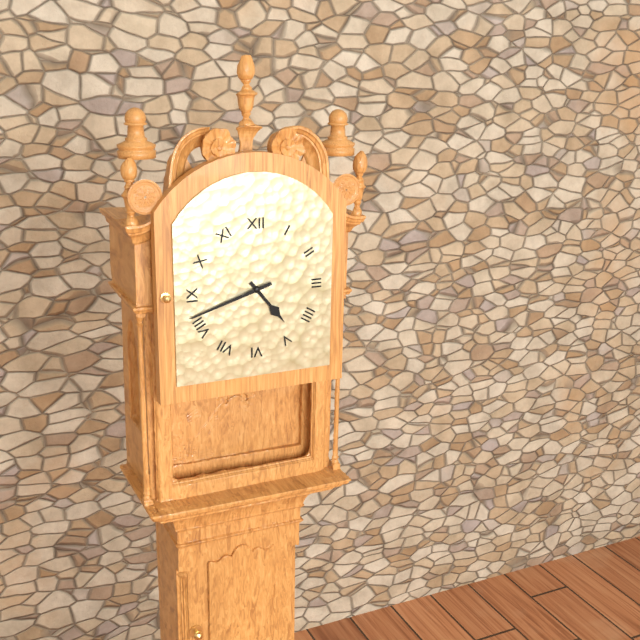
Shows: 4:42
